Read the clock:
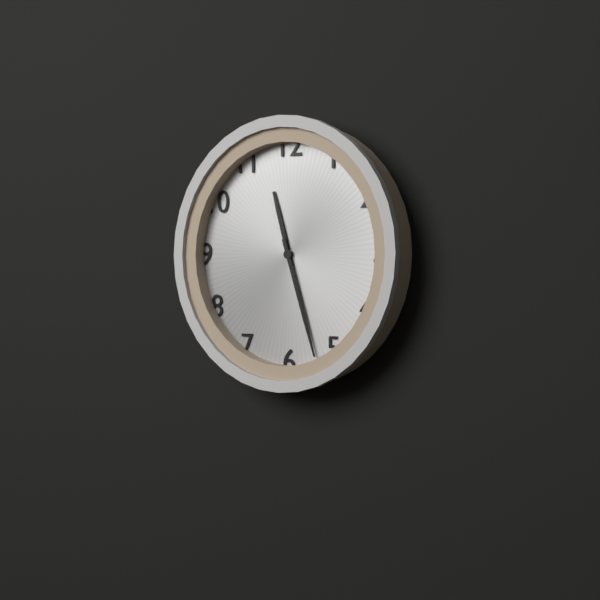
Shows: 11:27
